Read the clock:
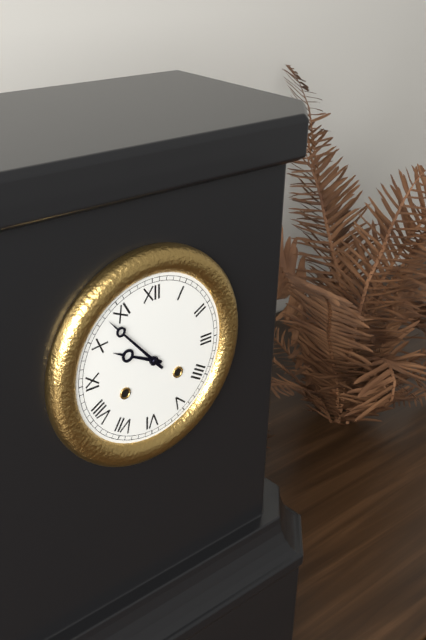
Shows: 9:53
